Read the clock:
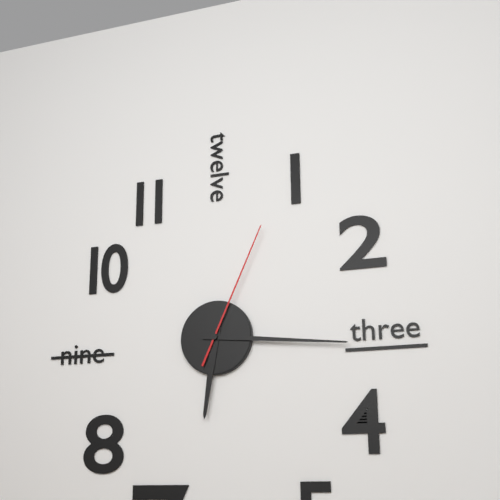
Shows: 6:16:04
